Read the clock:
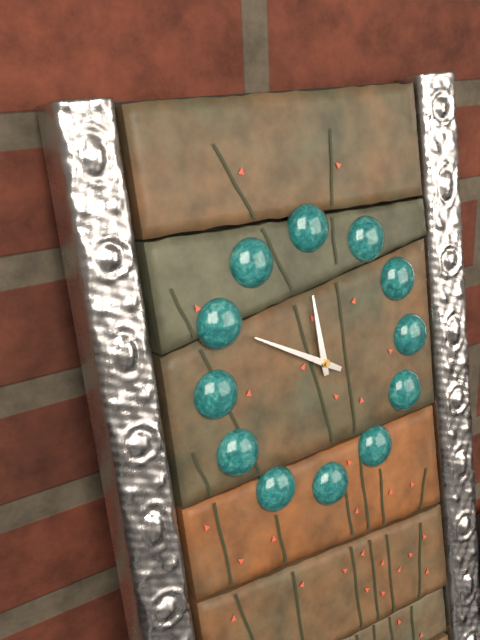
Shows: 11:50
